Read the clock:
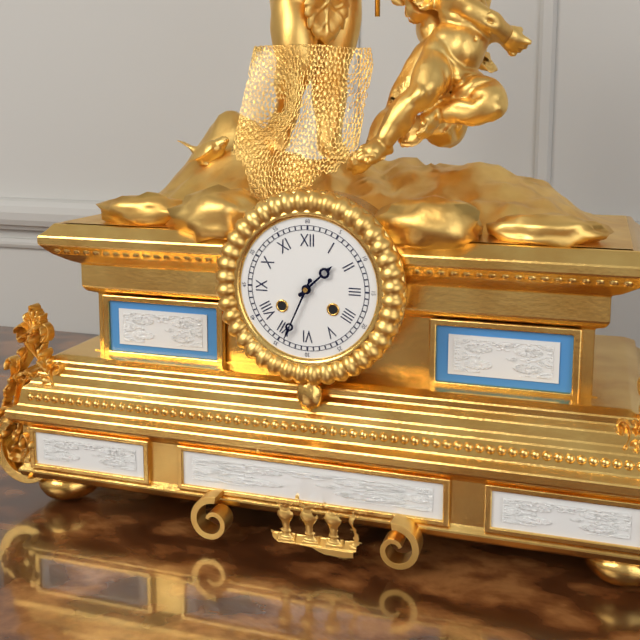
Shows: 1:34
